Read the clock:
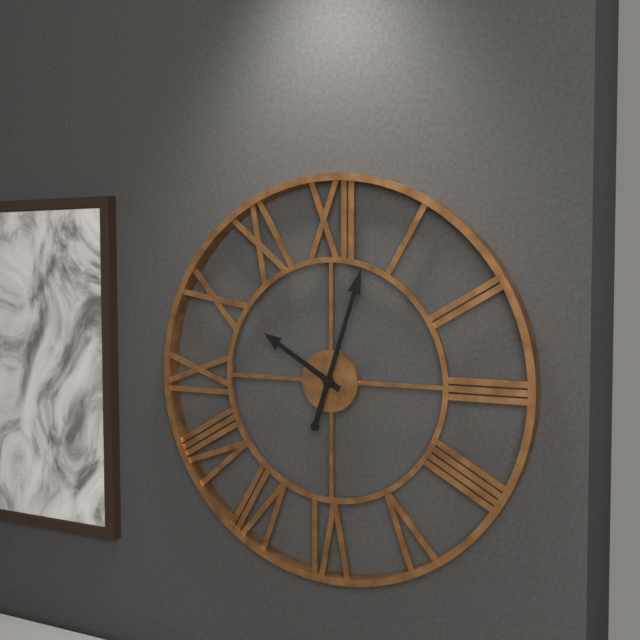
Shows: 10:03
